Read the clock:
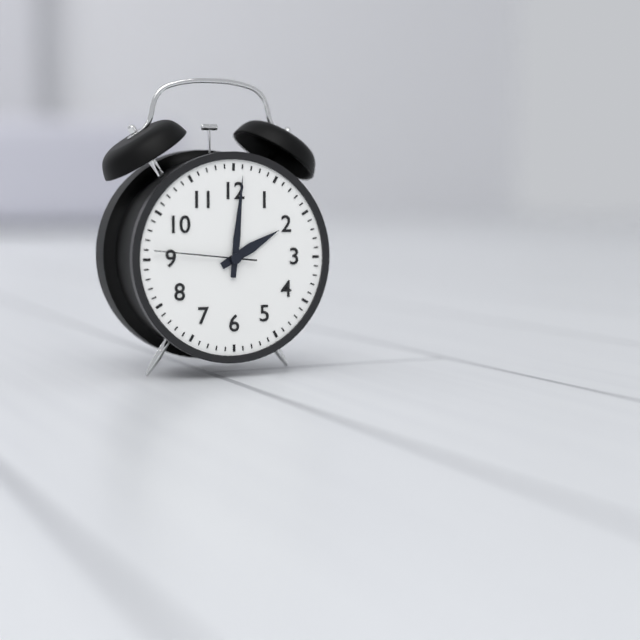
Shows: 2:01:46
